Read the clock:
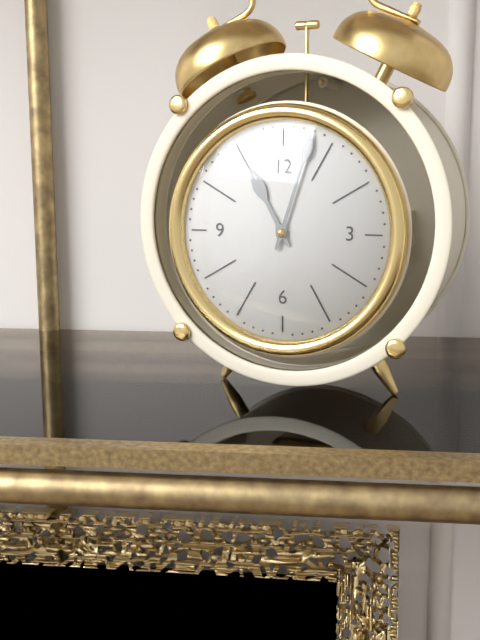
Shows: 11:03
